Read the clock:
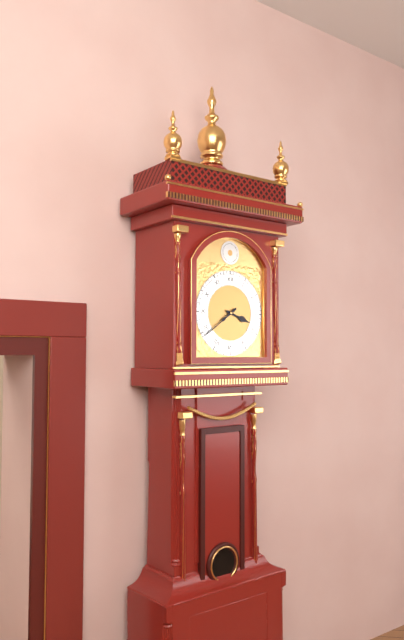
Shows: 3:39
